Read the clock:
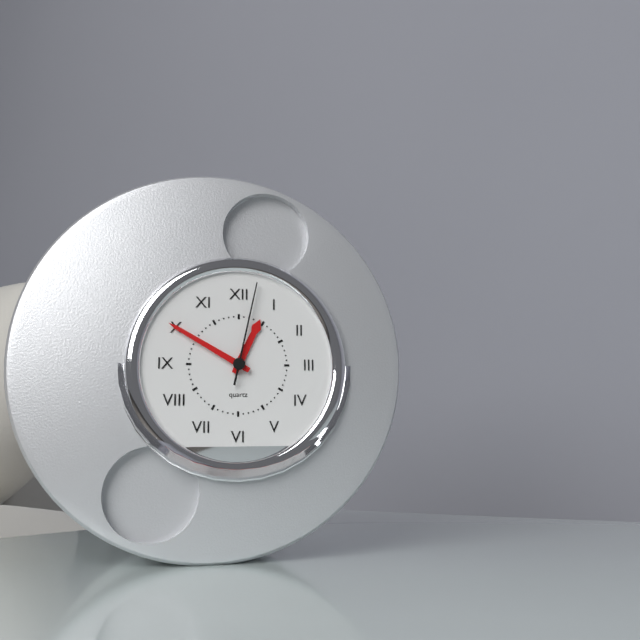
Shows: 12:50:02
